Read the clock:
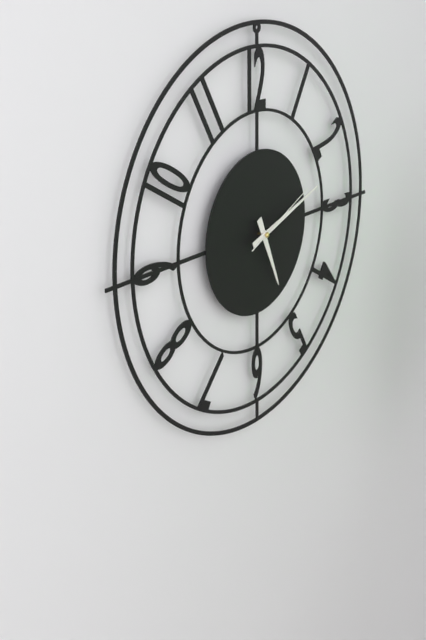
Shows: 5:12:11
